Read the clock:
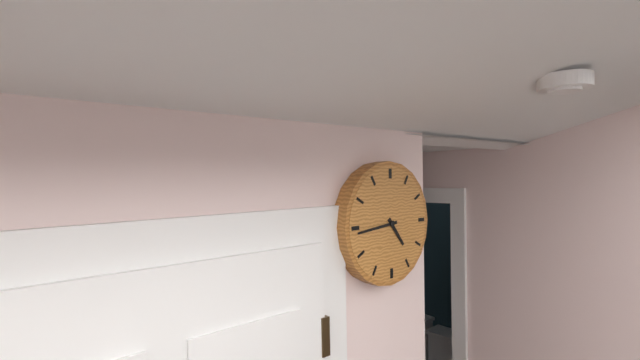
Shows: 4:44
